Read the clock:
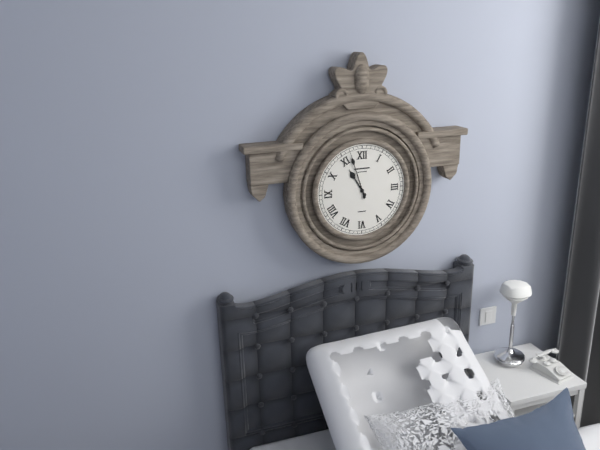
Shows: 10:57
